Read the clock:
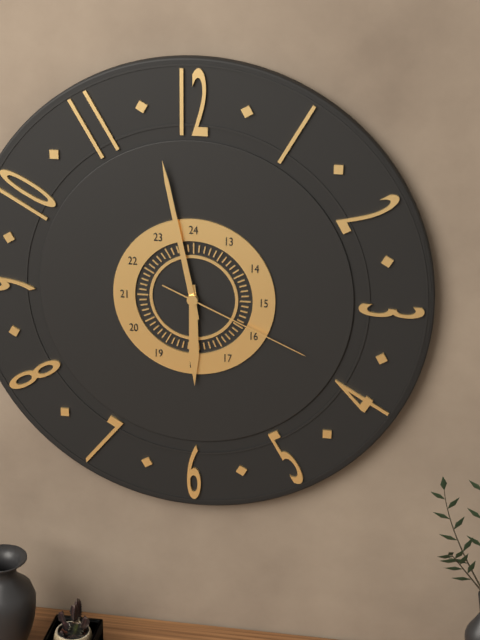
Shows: 5:58:19
